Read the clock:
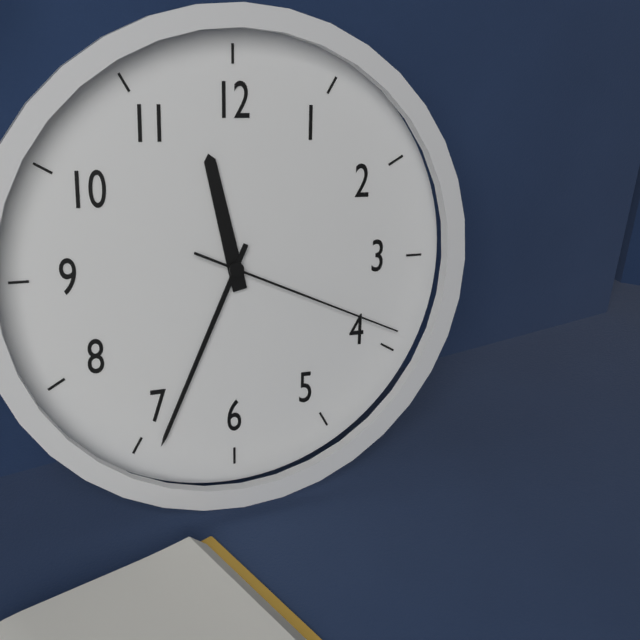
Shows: 11:34:19
